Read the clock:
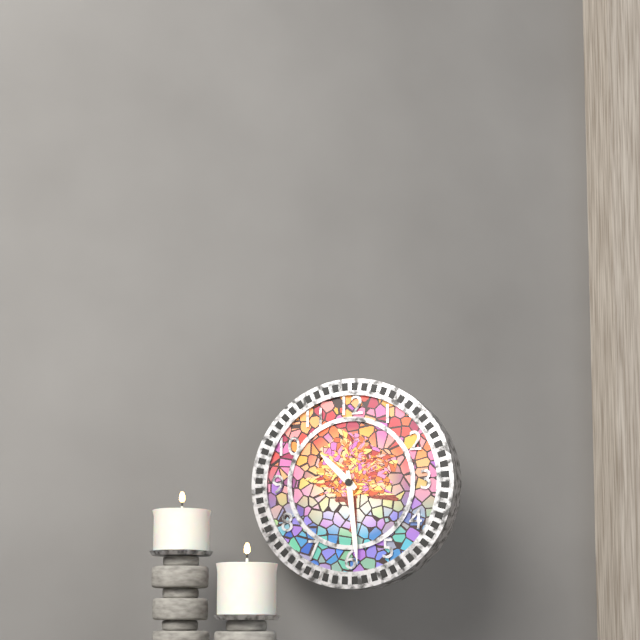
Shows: 10:29
